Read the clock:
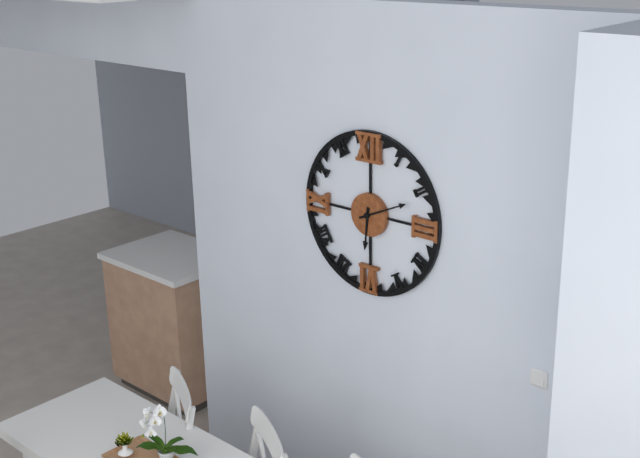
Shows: 6:11
